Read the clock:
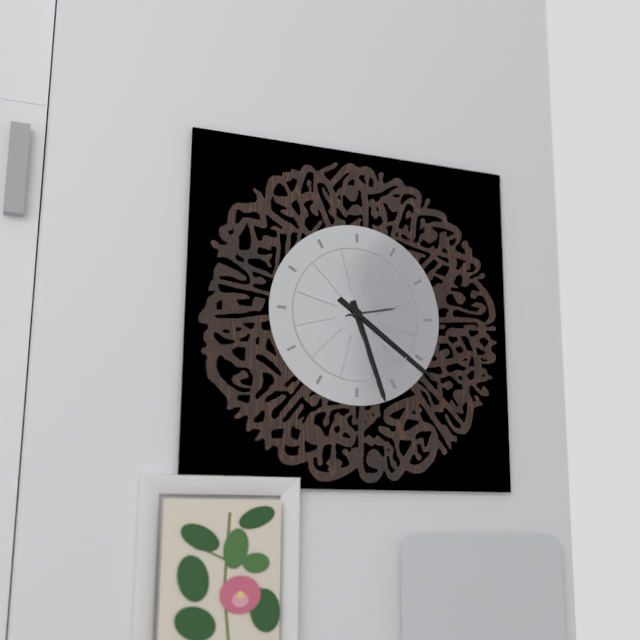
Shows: 5:21
